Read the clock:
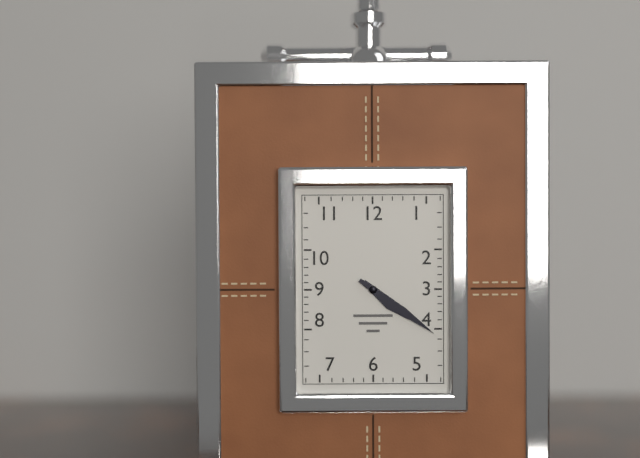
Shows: 4:21
